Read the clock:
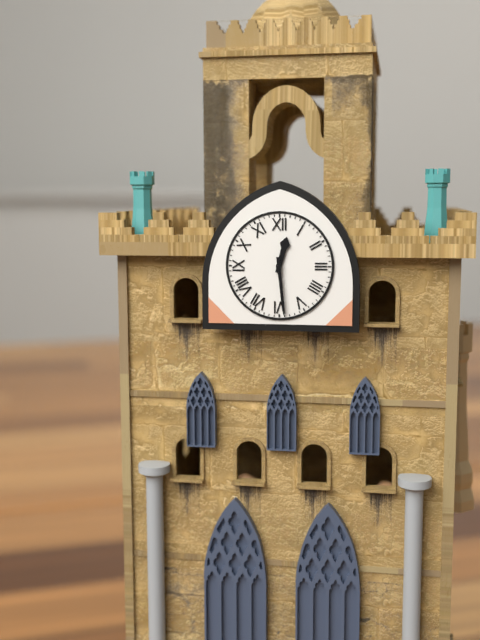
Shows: 12:29
